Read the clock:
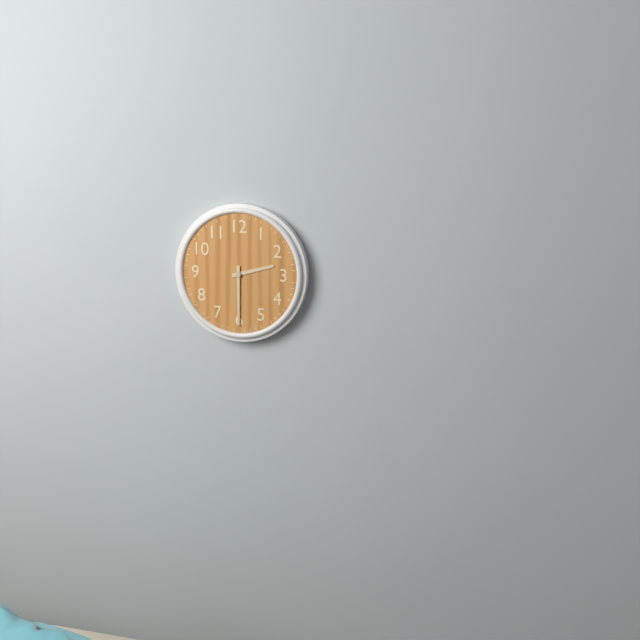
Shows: 2:30
